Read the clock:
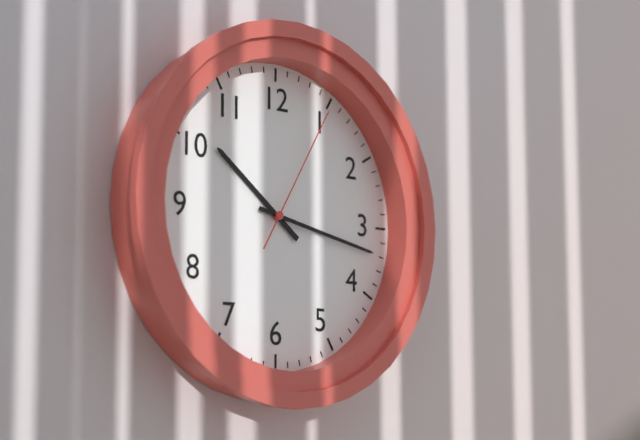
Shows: 10:17:05
